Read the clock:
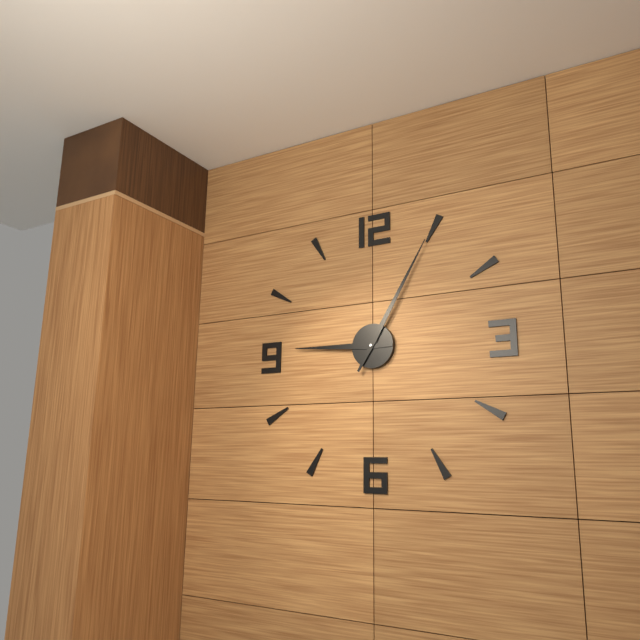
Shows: 9:05
